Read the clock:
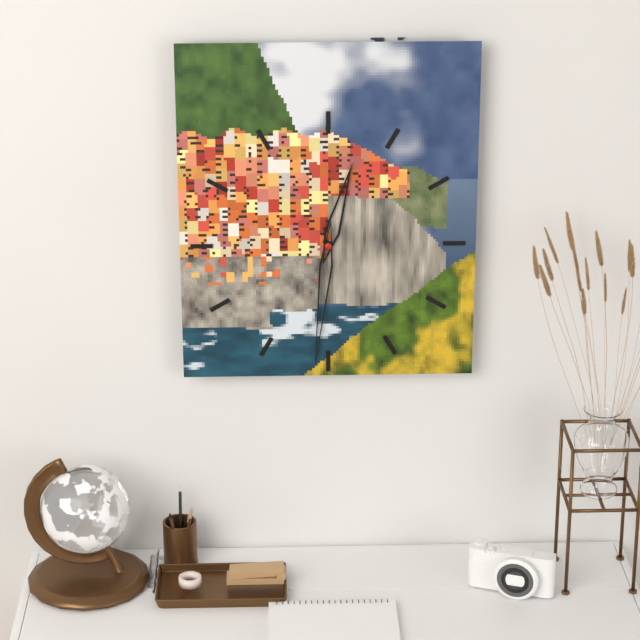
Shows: 12:31
